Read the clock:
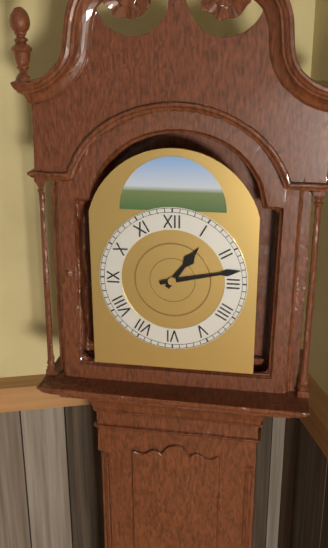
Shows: 1:13
